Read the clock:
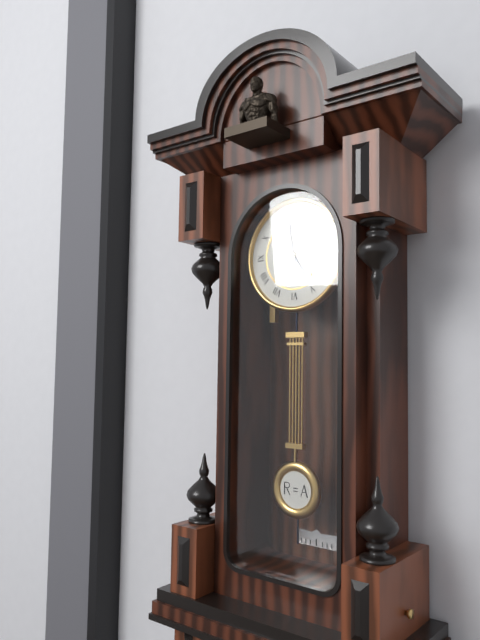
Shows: 4:58
